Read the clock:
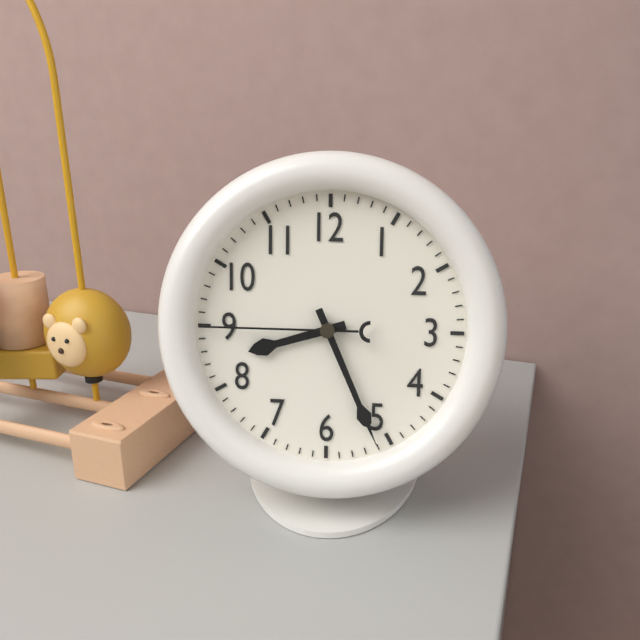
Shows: 8:26:45
